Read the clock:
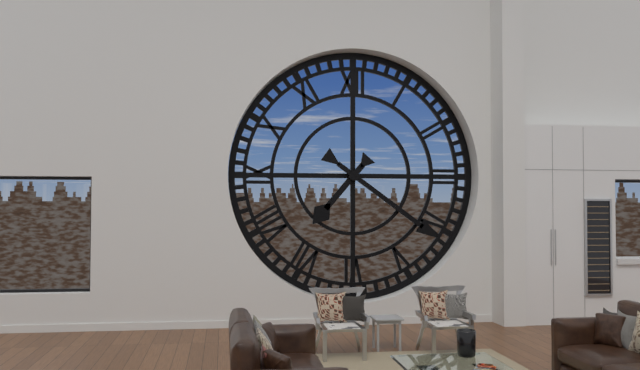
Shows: 7:21
